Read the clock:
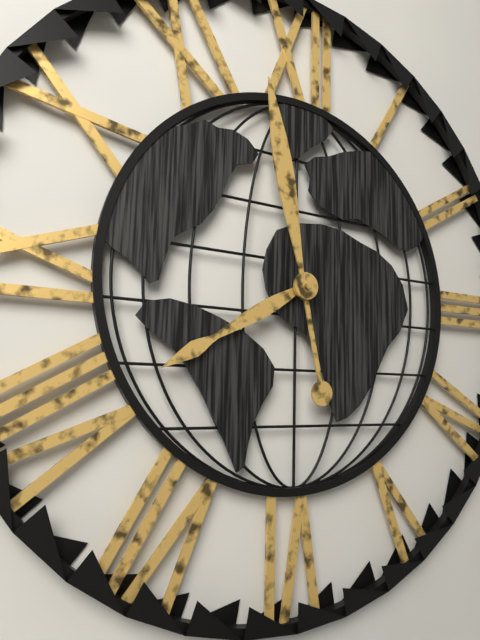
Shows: 7:58
